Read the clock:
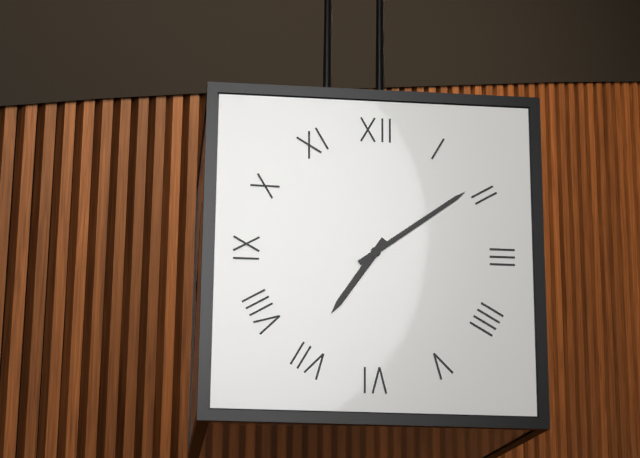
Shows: 7:09
